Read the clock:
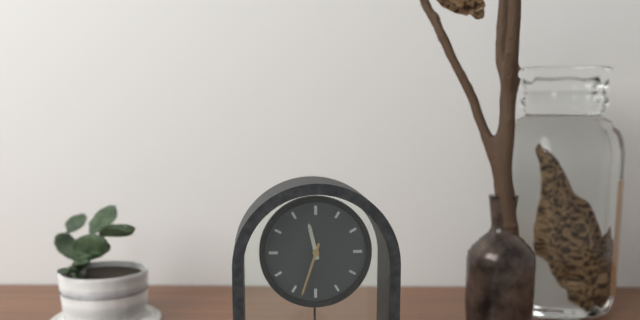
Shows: 11:33
